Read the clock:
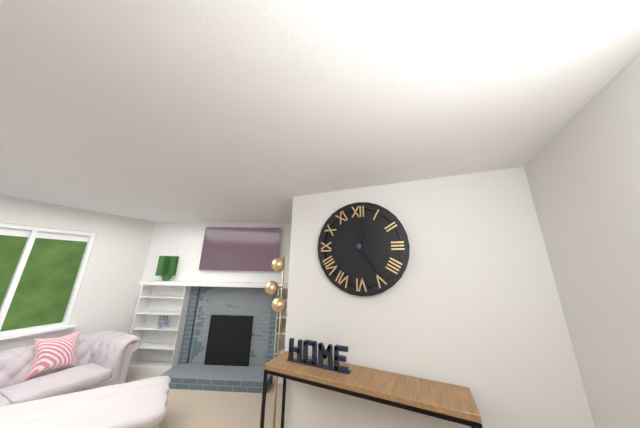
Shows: 12:24
